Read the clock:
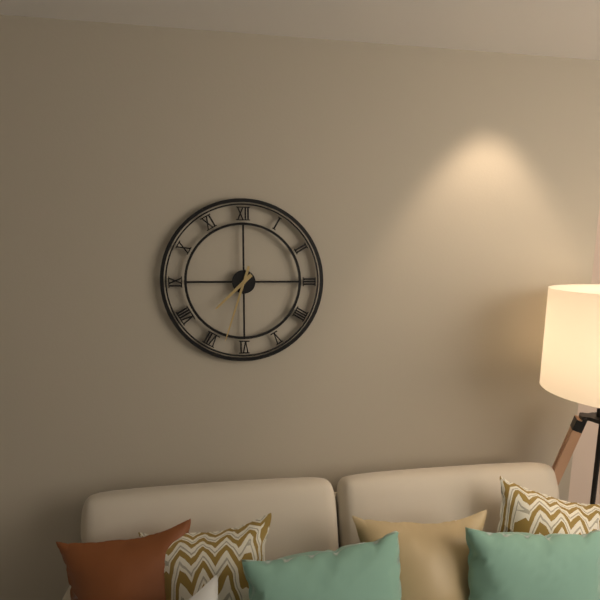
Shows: 7:33
